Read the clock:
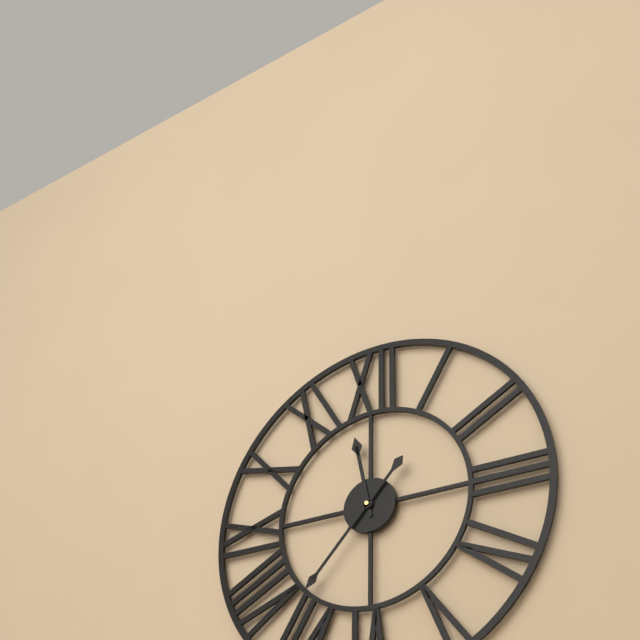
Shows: 11:37
